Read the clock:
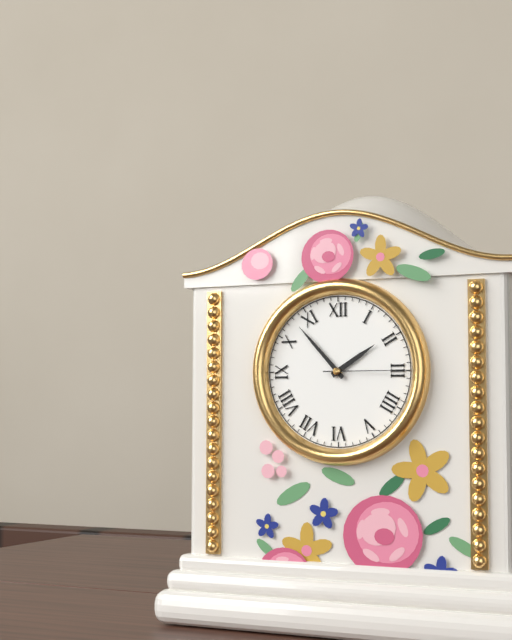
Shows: 1:53:15
